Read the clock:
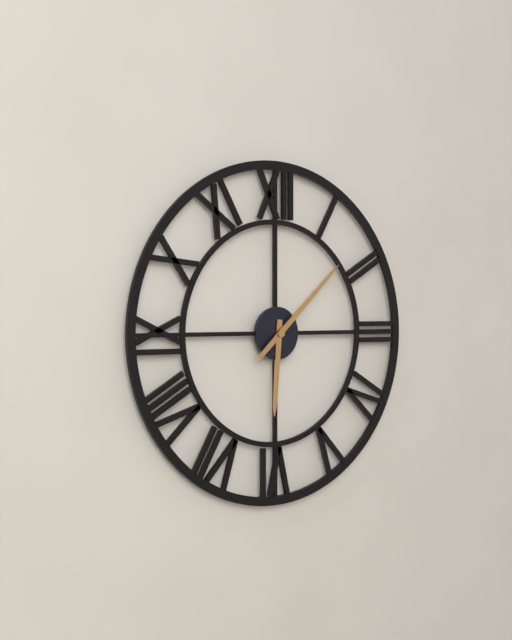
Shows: 6:08
